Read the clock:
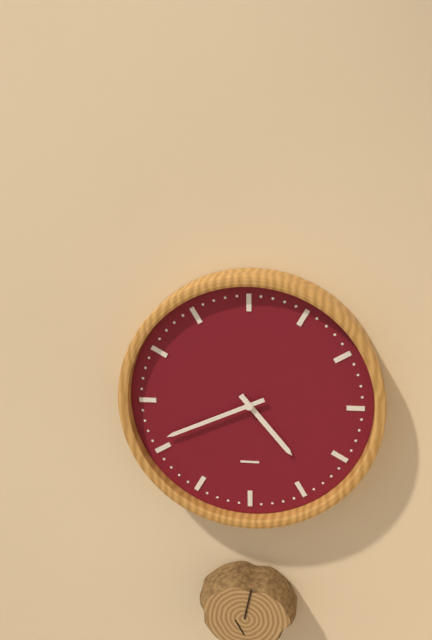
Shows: 4:41
